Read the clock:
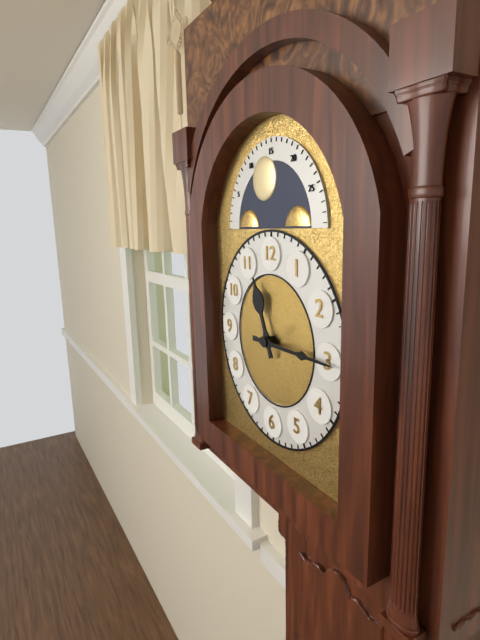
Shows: 11:15
